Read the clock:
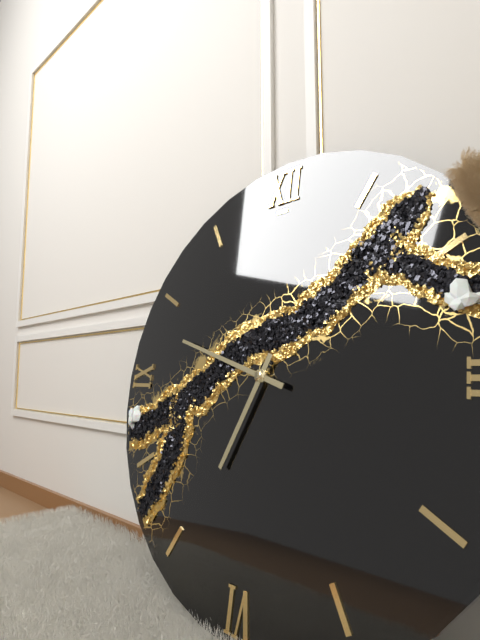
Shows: 6:48
